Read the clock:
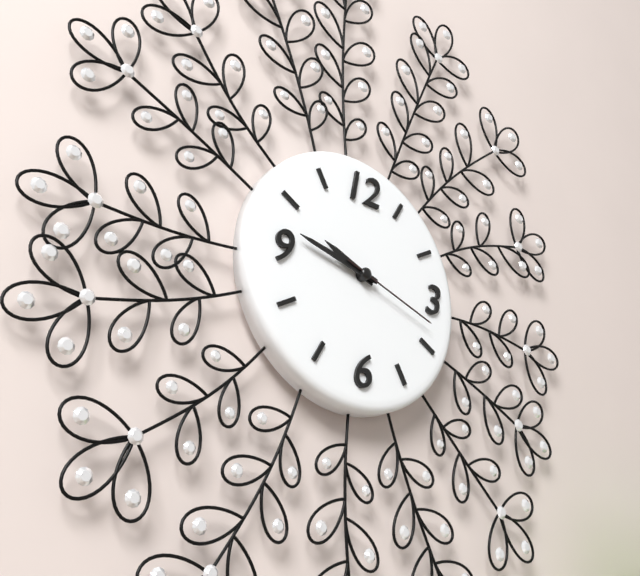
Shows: 9:47:18
